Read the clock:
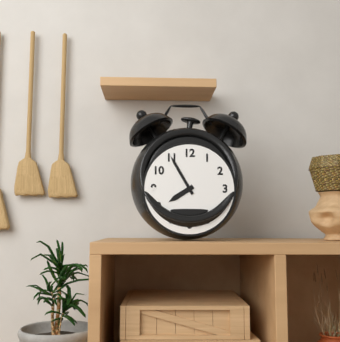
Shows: 7:55
